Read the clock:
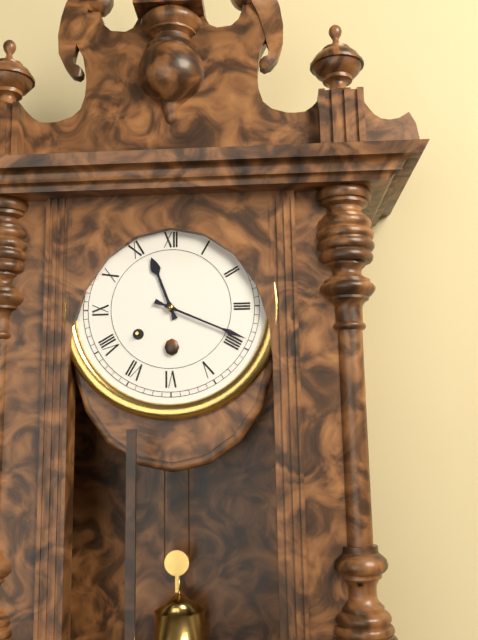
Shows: 11:19
